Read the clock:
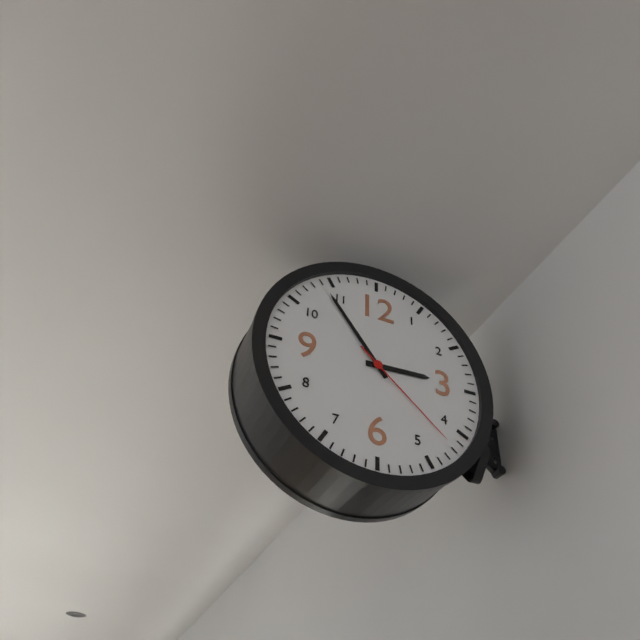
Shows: 2:54:22
